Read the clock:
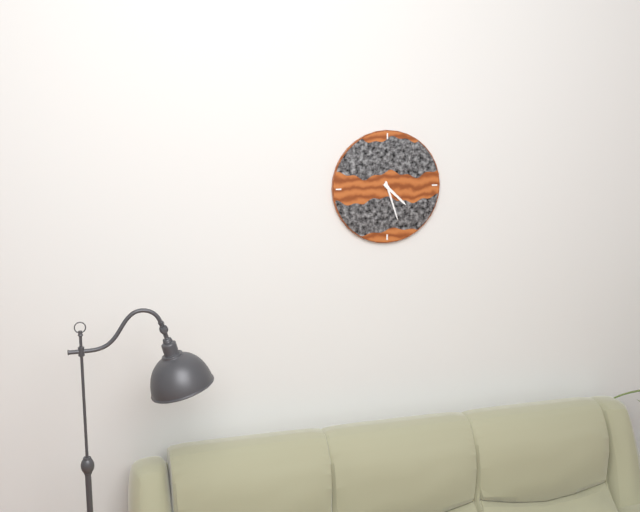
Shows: 4:27
